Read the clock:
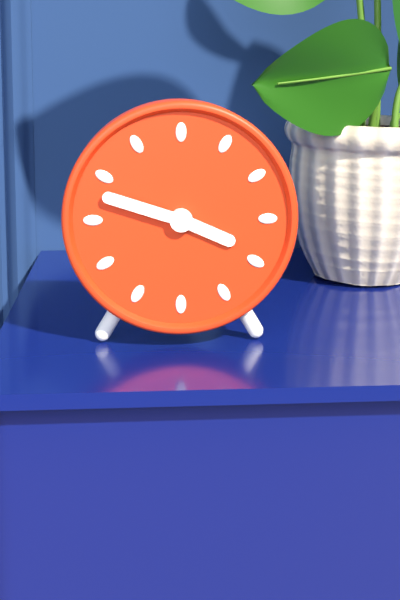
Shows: 3:48
